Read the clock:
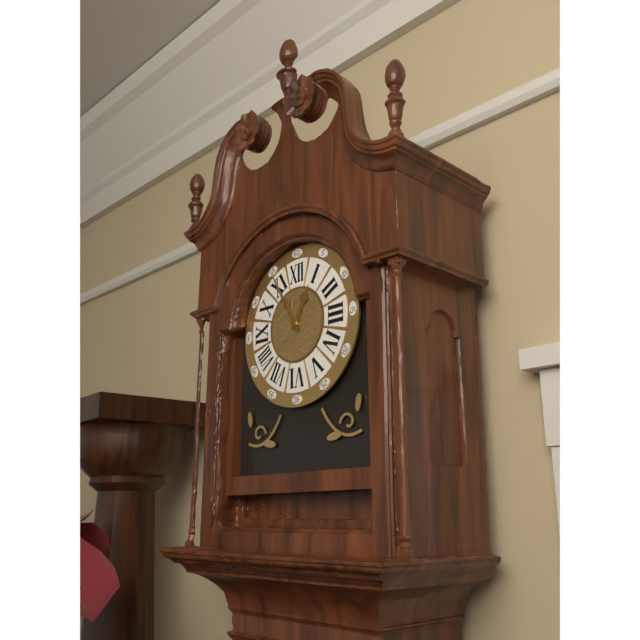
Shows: 12:55
